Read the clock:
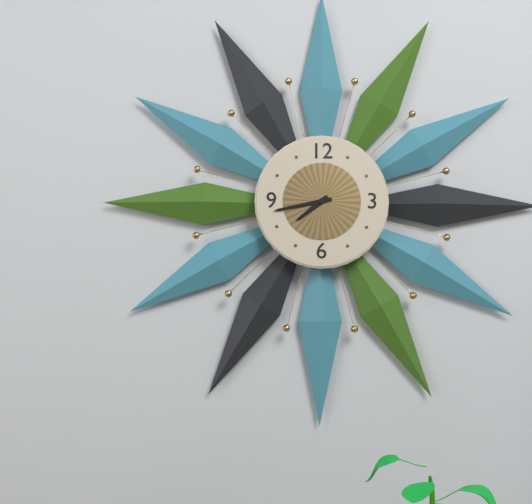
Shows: 7:43
